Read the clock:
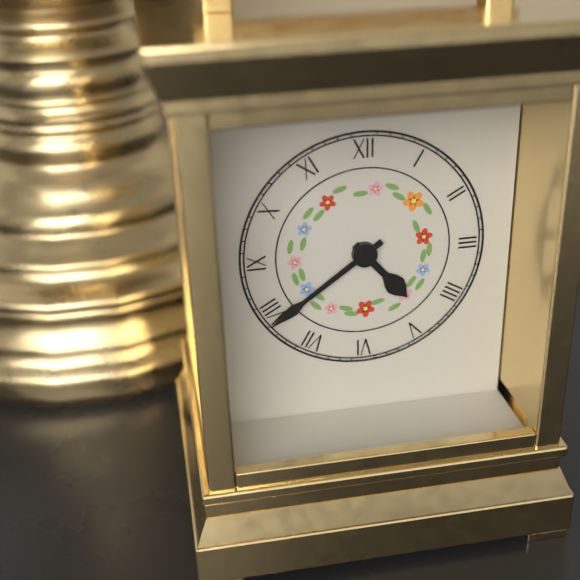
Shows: 4:39
